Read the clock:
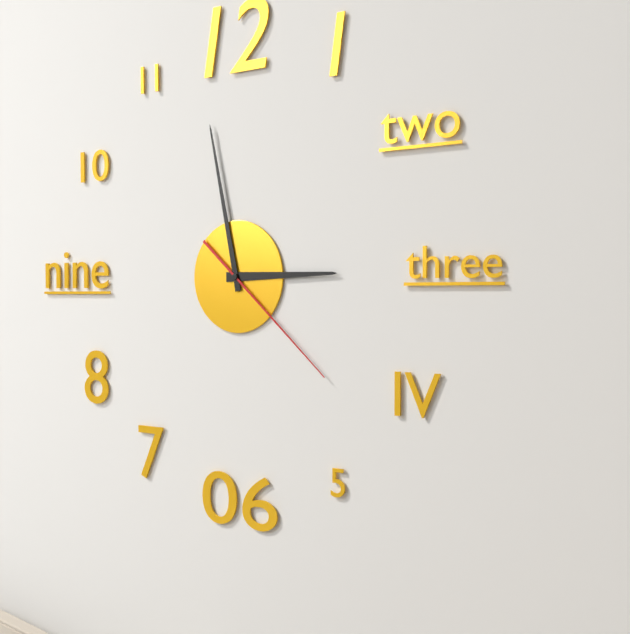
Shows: 2:58:22
